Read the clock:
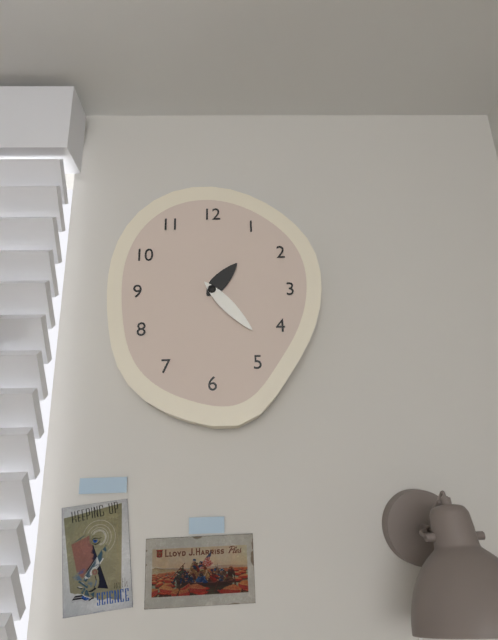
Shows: 1:23
